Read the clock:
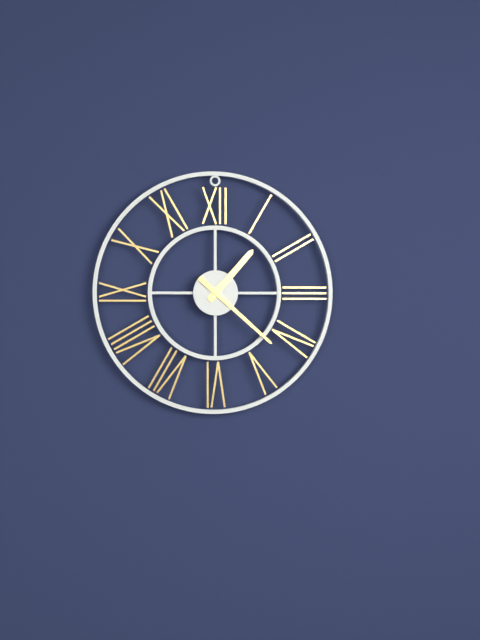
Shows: 1:22
